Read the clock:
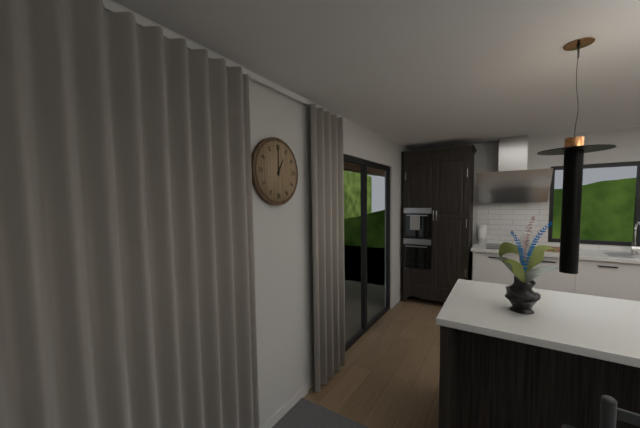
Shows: 1:00
